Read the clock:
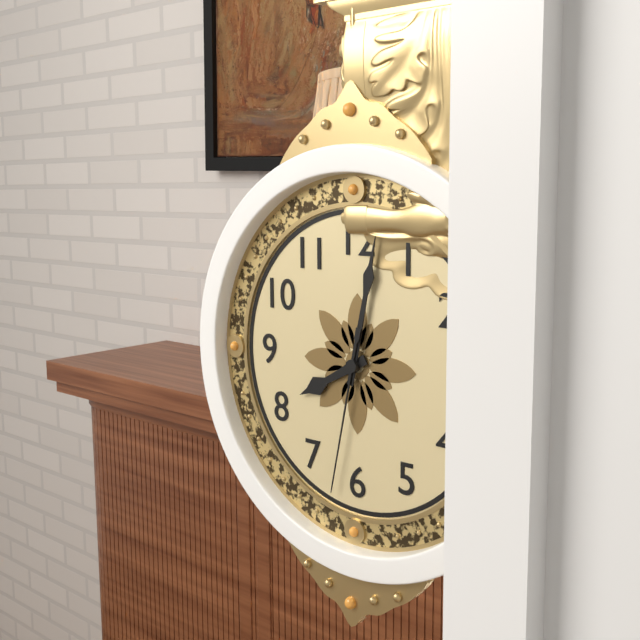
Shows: 8:02:32
